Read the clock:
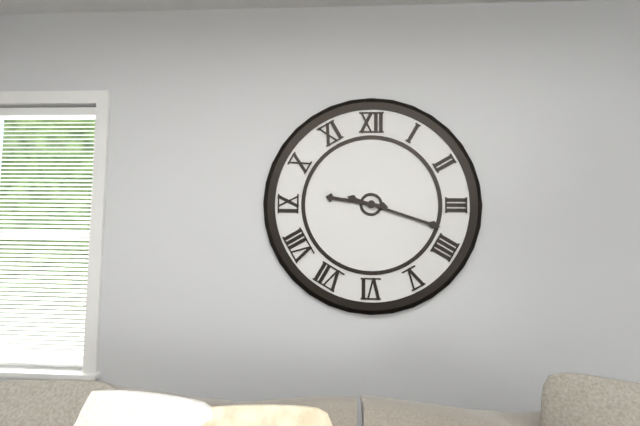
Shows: 9:18
